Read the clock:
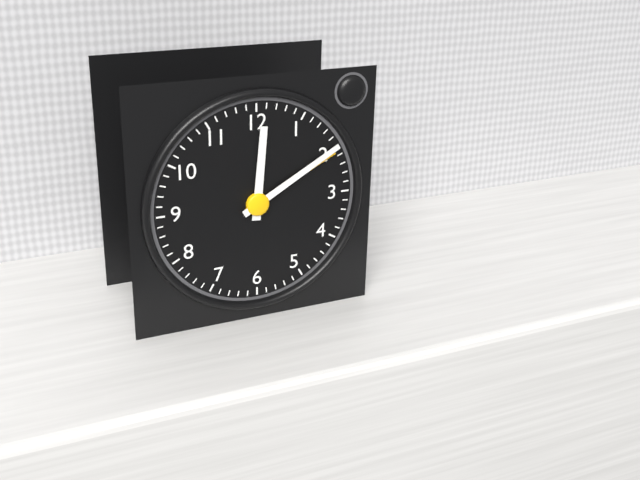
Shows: 12:10
